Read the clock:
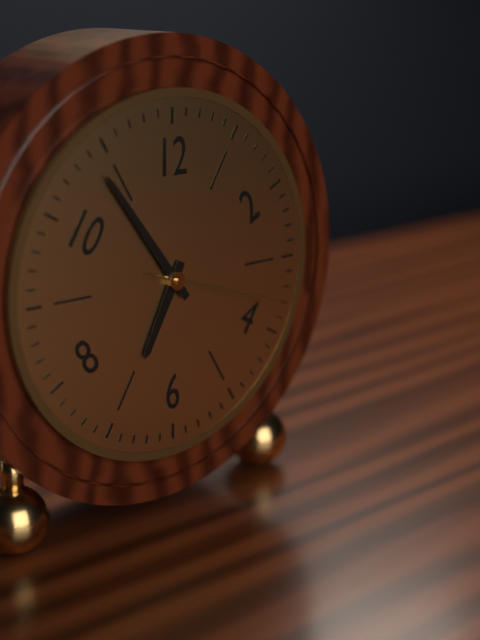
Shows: 6:54:18
